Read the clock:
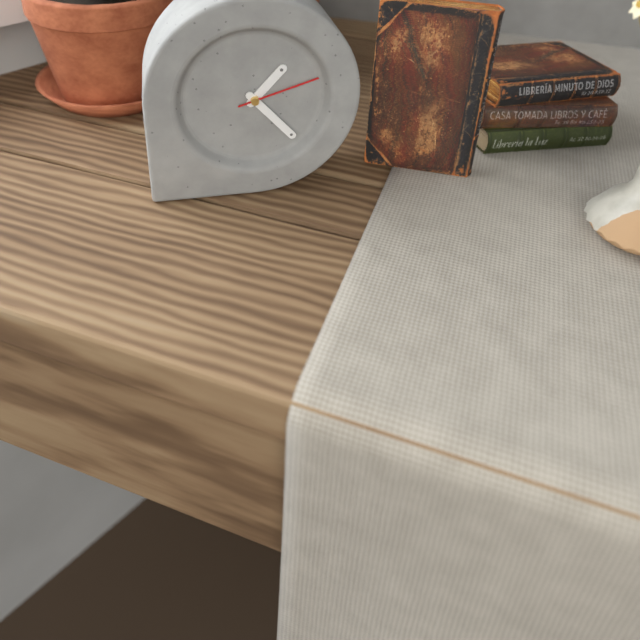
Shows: 1:23:12
